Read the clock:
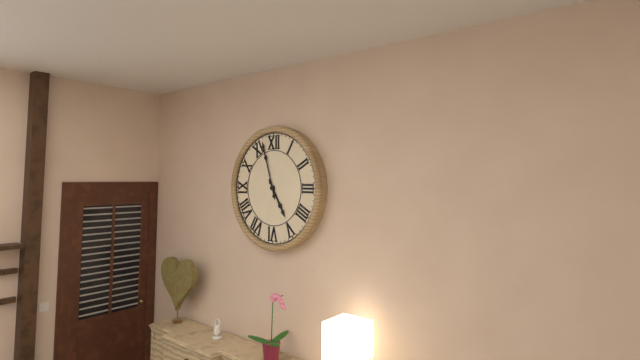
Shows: 4:57
